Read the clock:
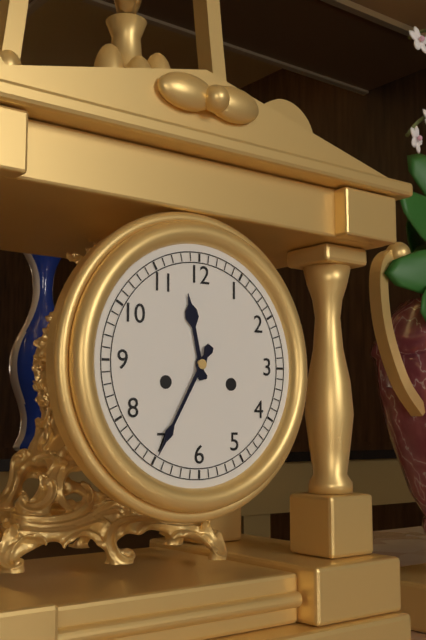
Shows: 11:35
